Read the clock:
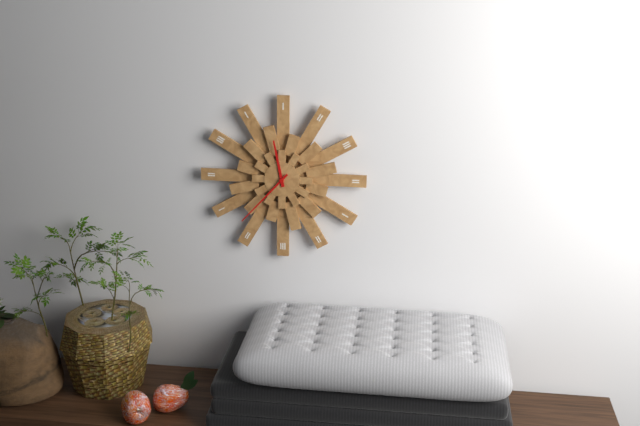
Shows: 11:37
